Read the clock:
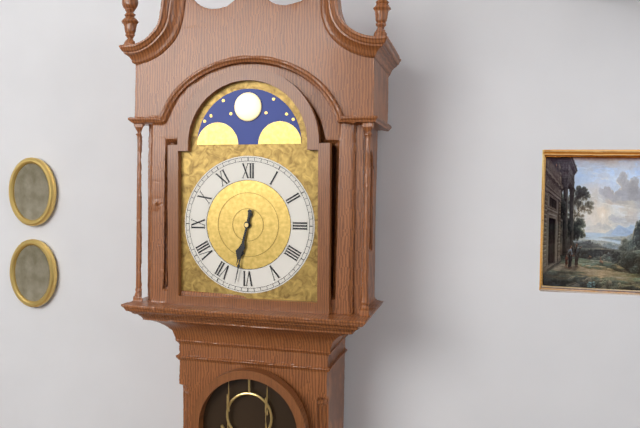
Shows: 6:32
